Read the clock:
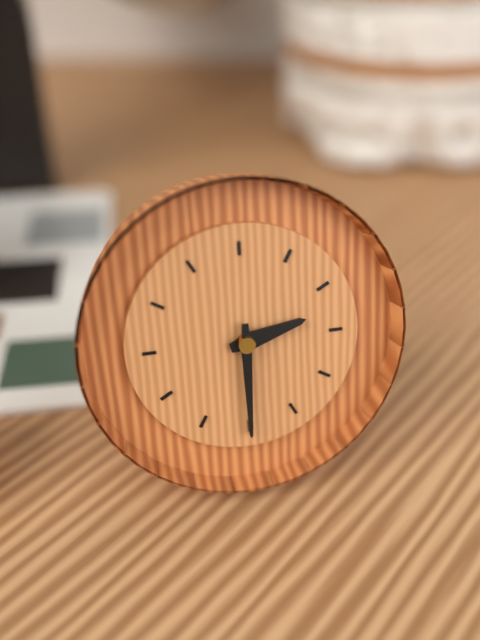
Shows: 2:30
